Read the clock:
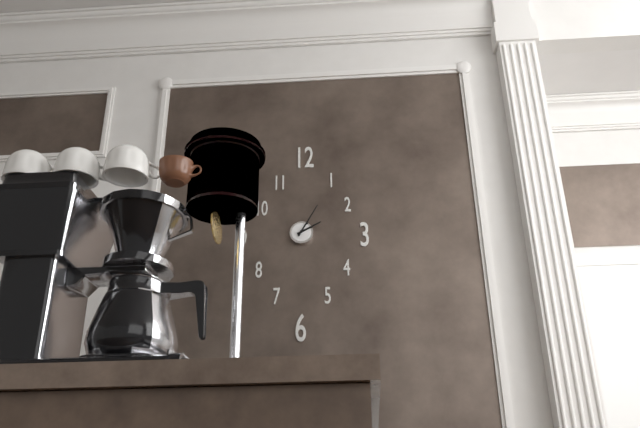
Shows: 2:05
